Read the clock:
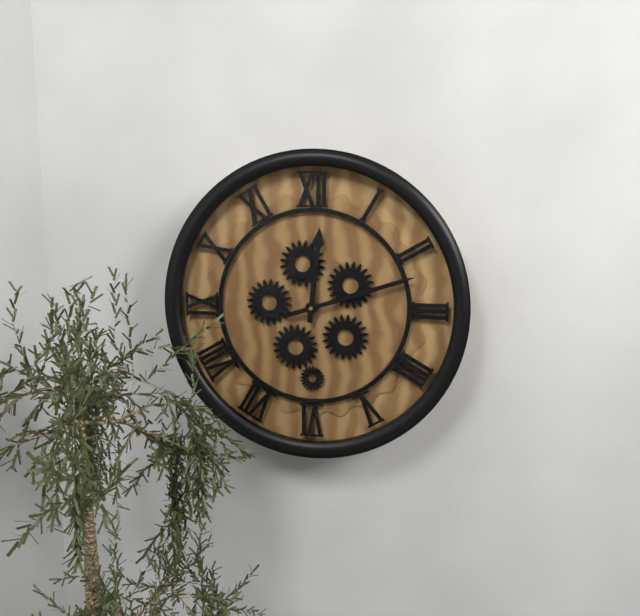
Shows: 12:12
